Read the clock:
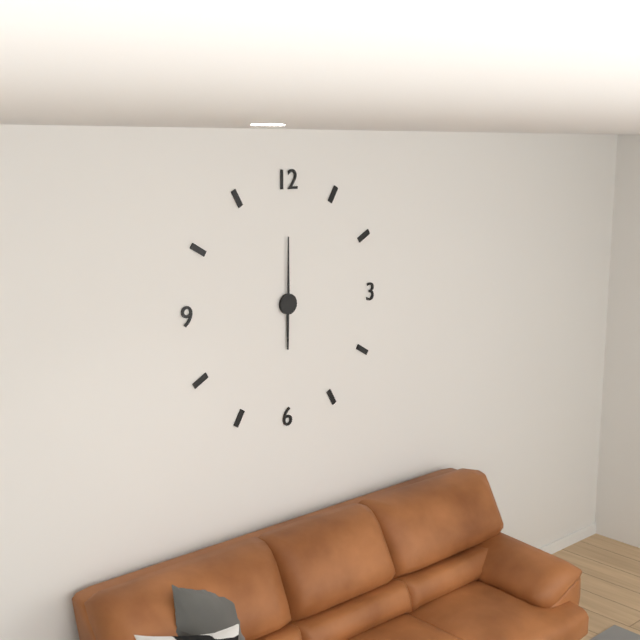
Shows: 6:00
